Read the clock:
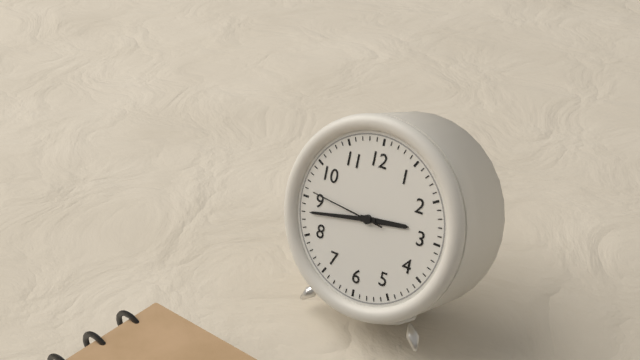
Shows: 2:43:46
